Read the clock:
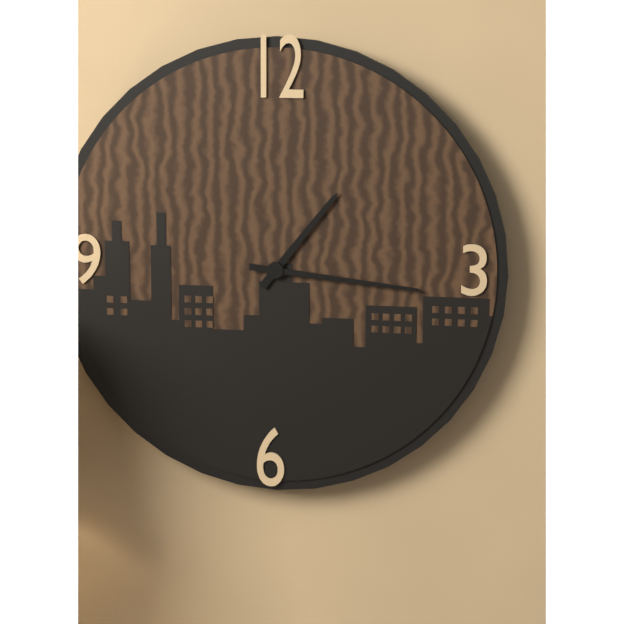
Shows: 1:16
